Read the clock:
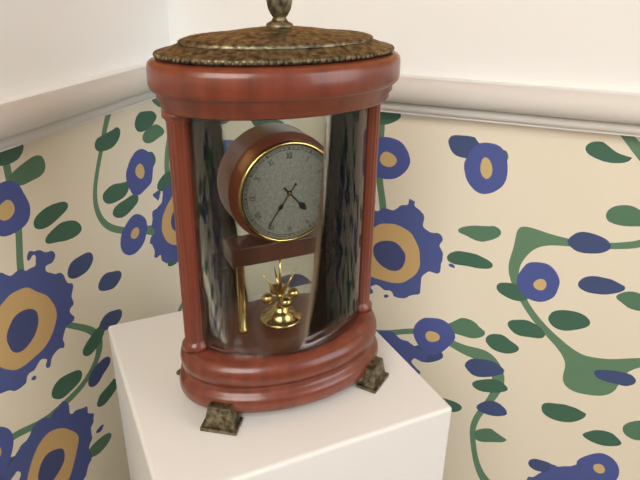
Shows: 4:36
